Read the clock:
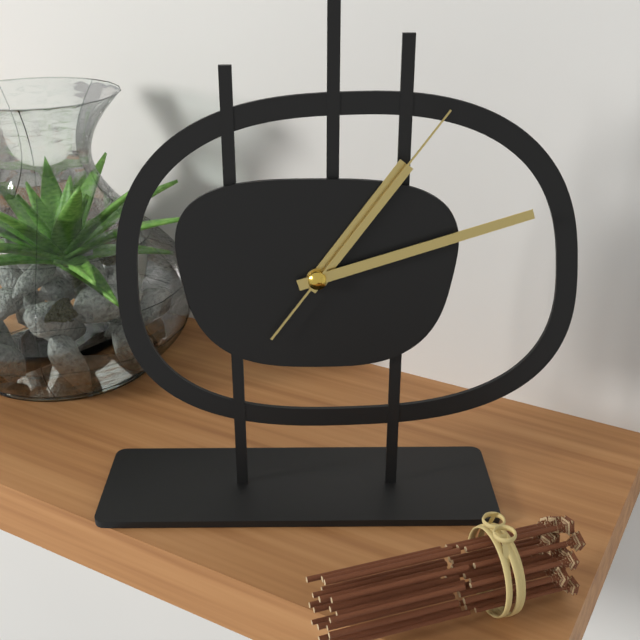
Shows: 1:12:06
